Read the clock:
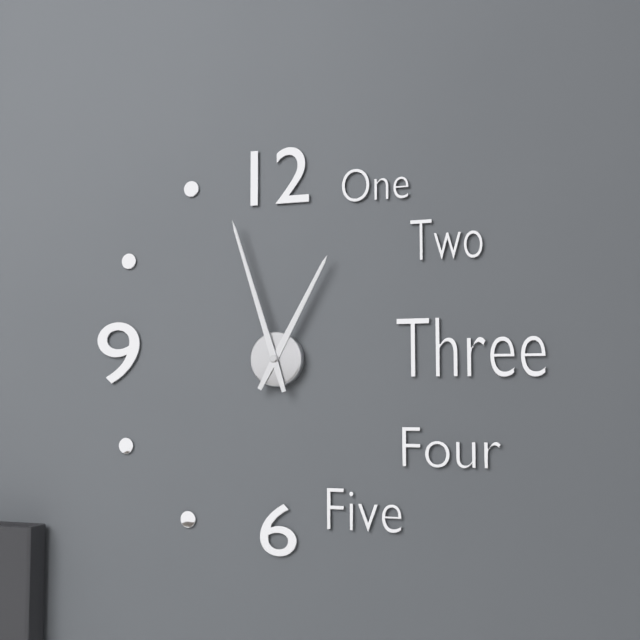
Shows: 12:57
